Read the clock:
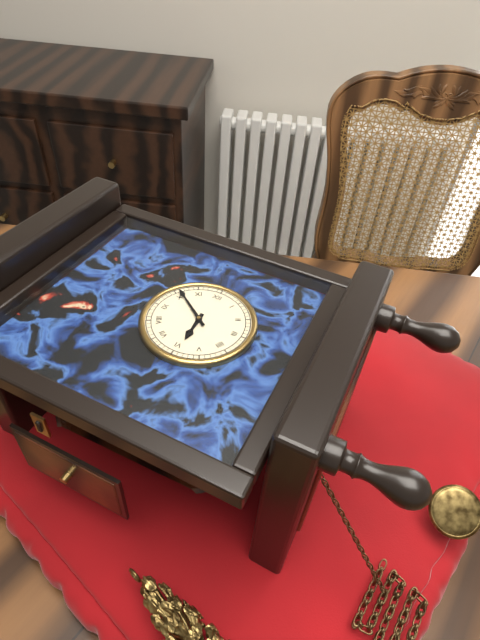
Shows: 5:51
